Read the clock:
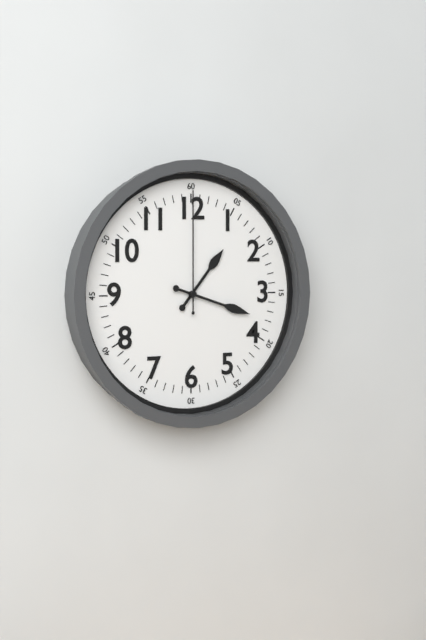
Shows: 1:18:00
